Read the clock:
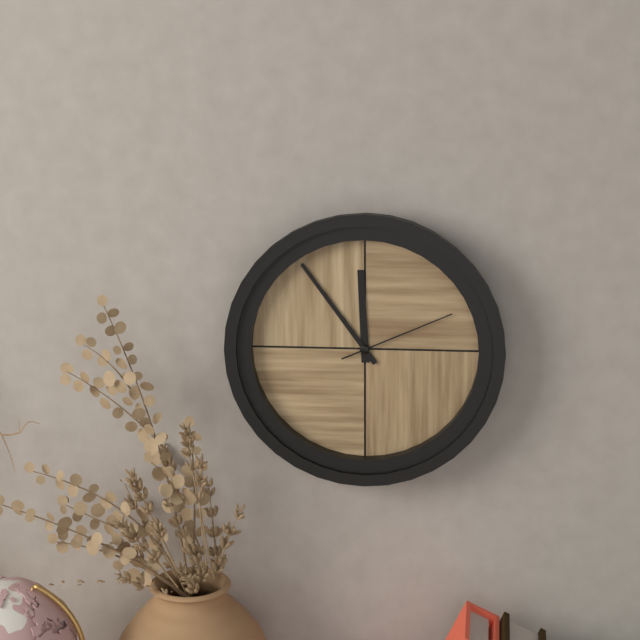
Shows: 11:54:11
